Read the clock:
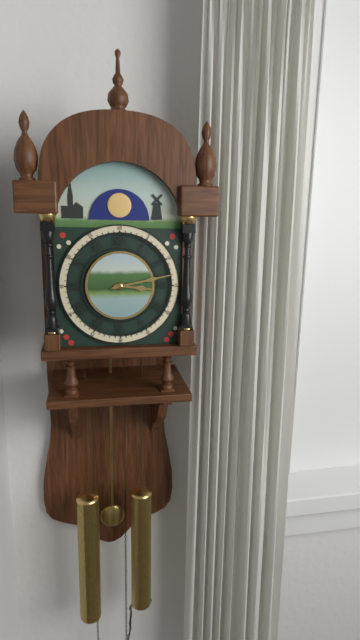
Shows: 3:13
